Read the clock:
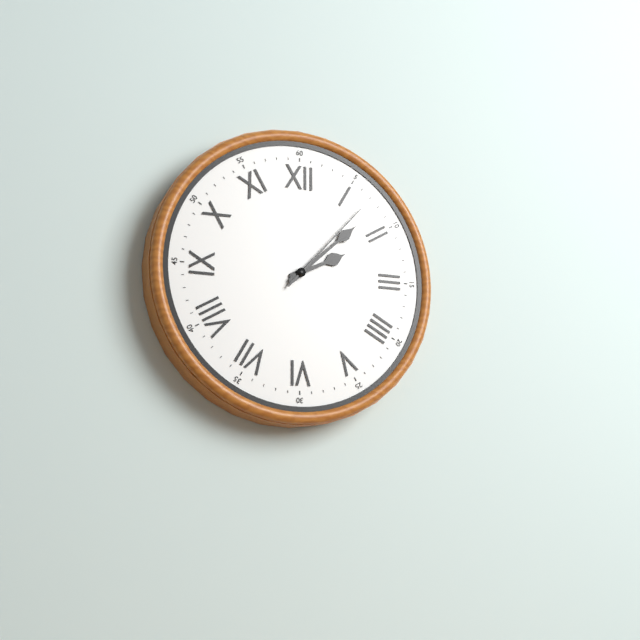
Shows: 2:08:07
